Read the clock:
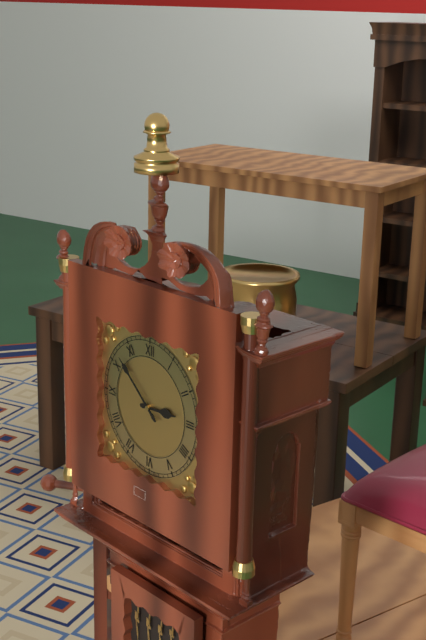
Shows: 2:52
